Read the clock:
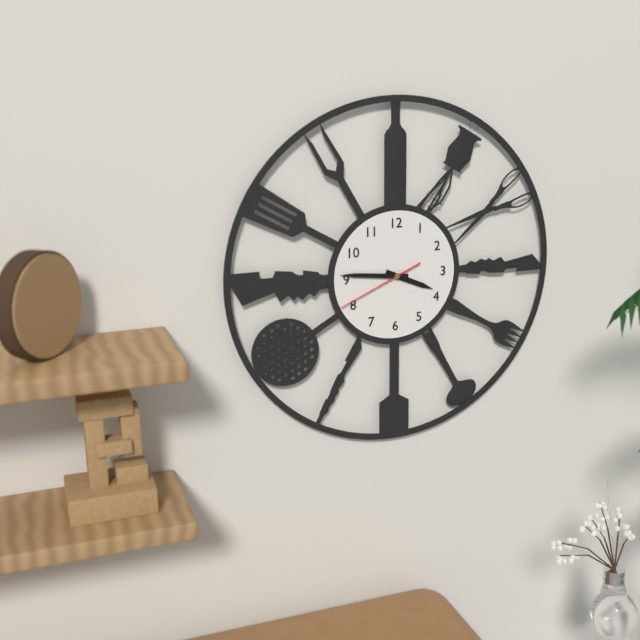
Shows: 3:46:41
